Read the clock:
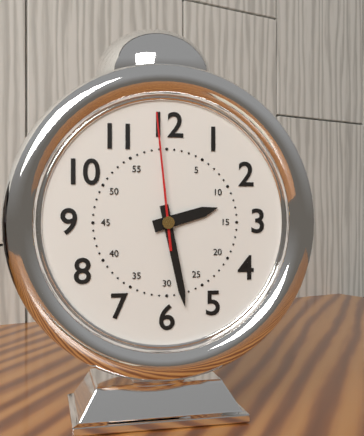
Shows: 2:28:59
